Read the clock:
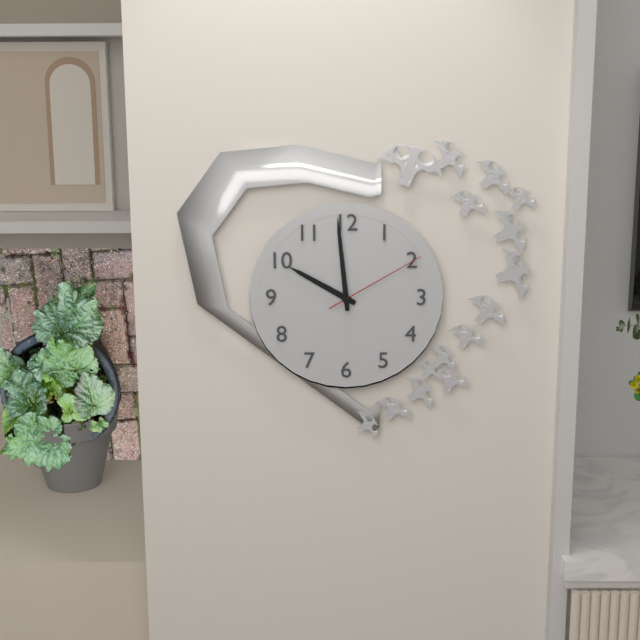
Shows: 9:59:10
